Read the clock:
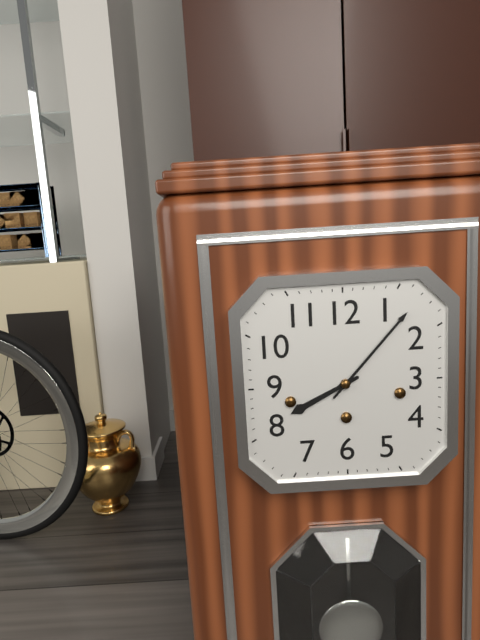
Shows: 8:07
